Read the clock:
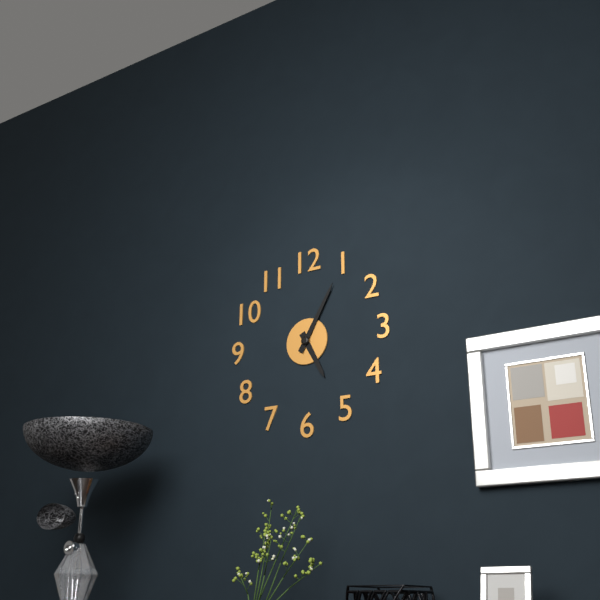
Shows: 5:05
